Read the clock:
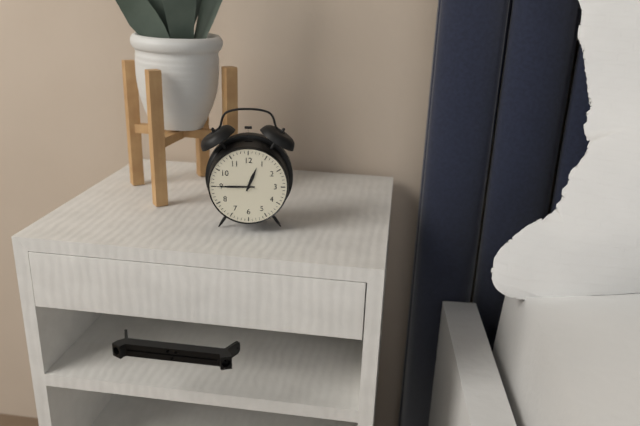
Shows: 12:45
